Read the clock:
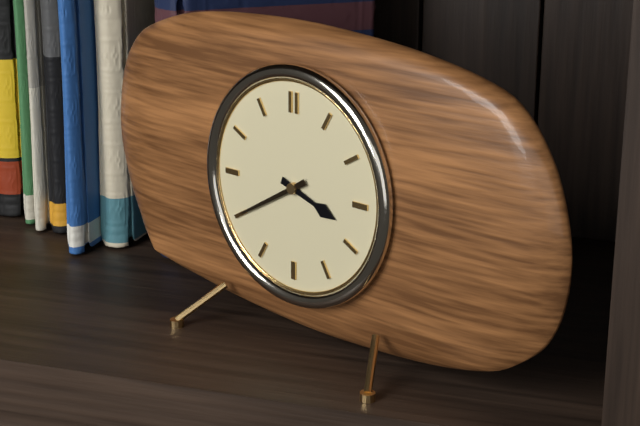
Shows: 3:40
